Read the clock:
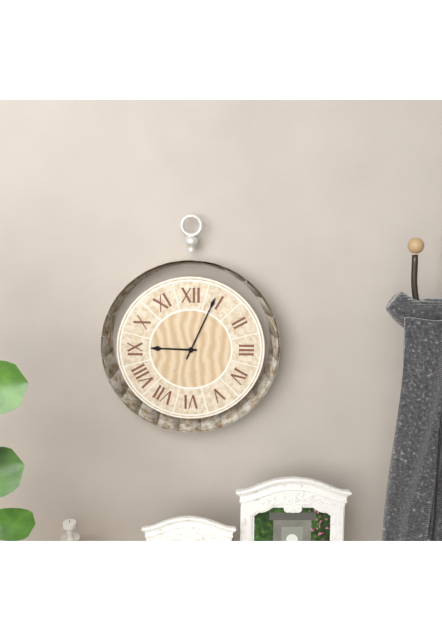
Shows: 9:04
